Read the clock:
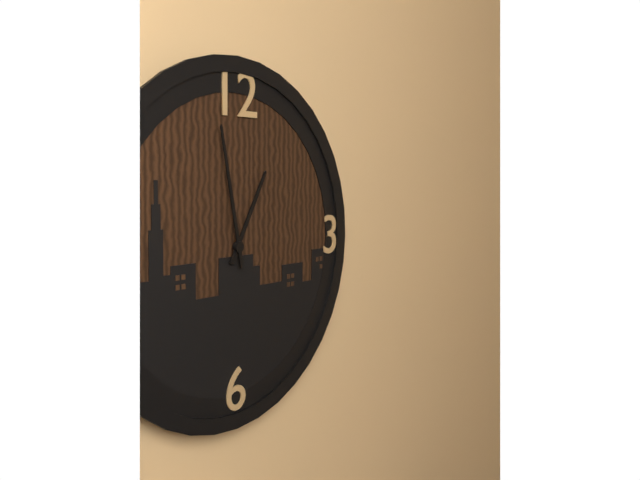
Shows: 12:58
